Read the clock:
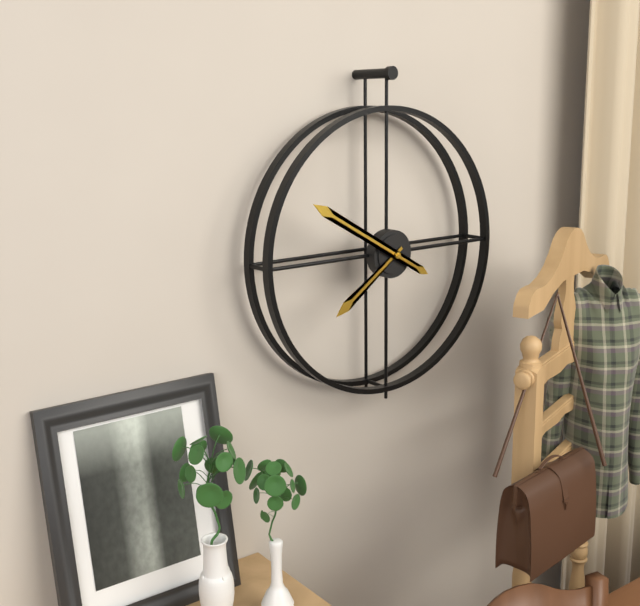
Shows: 7:50
